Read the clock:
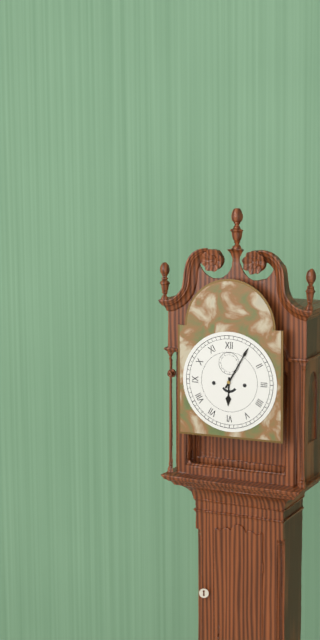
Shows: 6:05
